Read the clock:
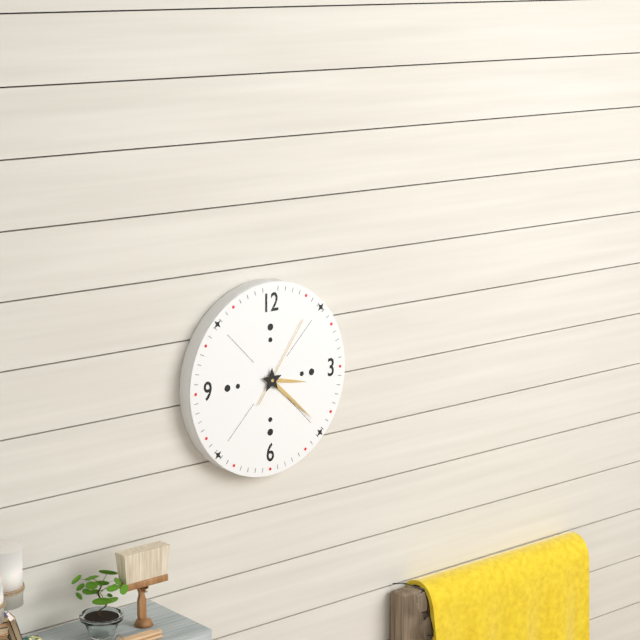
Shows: 3:22:06
